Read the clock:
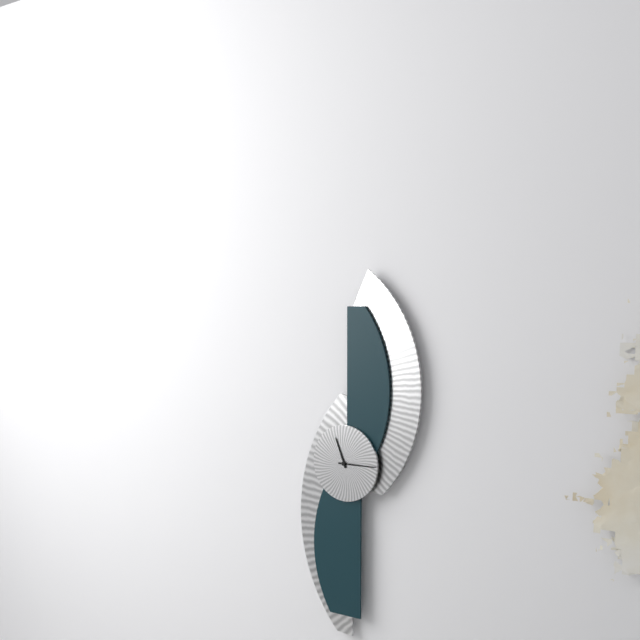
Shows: 11:15
